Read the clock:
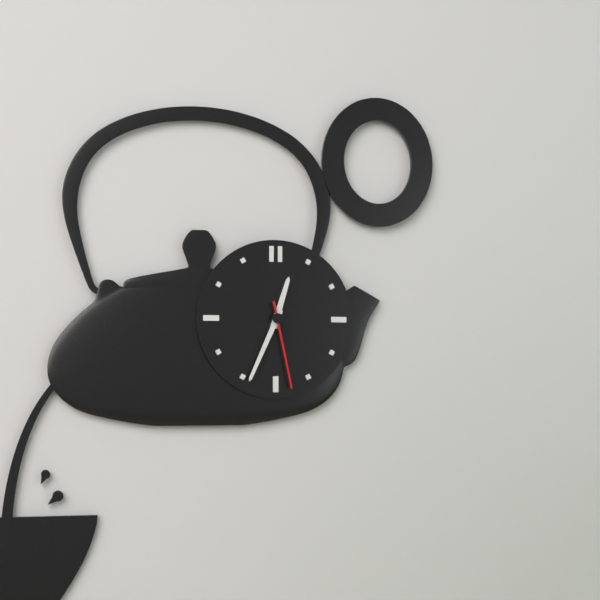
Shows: 12:34:28
